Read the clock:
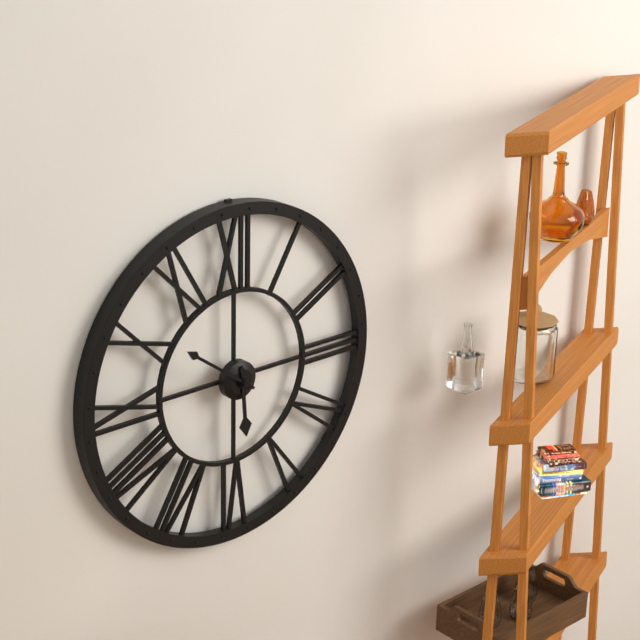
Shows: 5:51
